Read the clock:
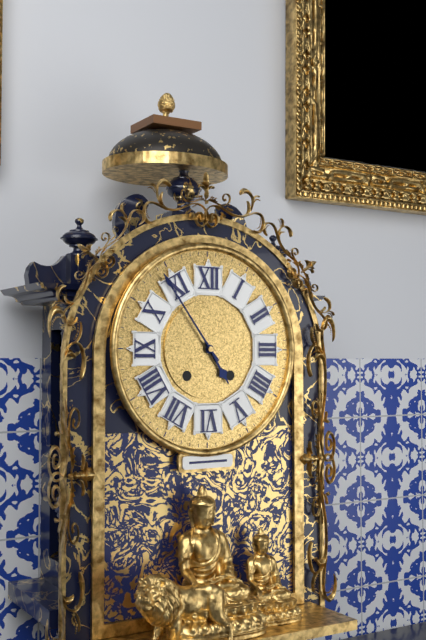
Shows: 4:54
